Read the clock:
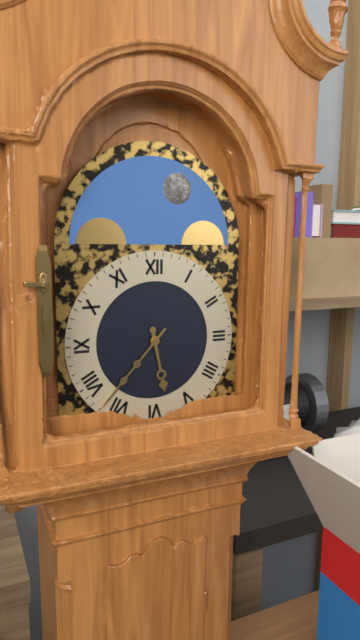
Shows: 5:37
